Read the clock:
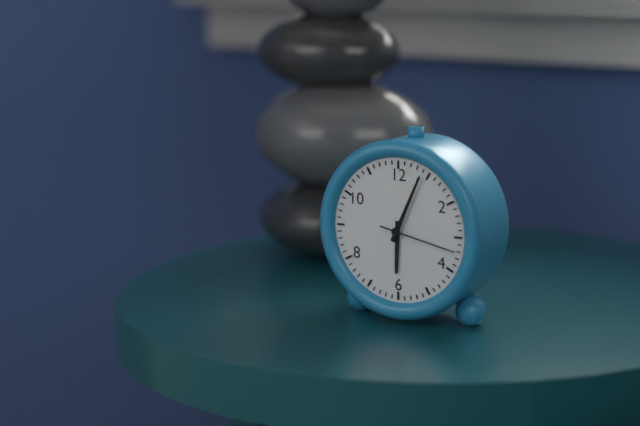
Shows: 6:04:17
